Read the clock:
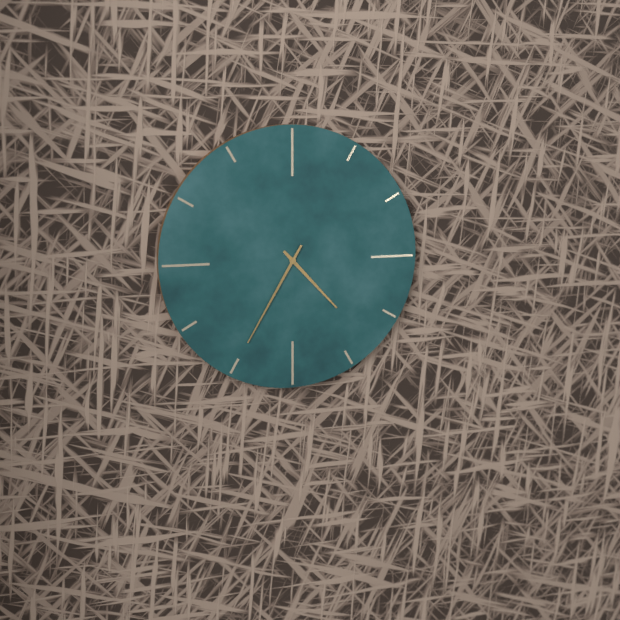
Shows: 4:35
